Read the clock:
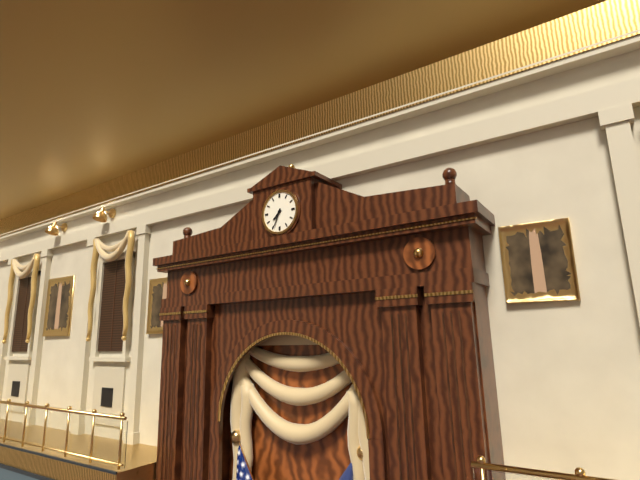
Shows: 7:34
